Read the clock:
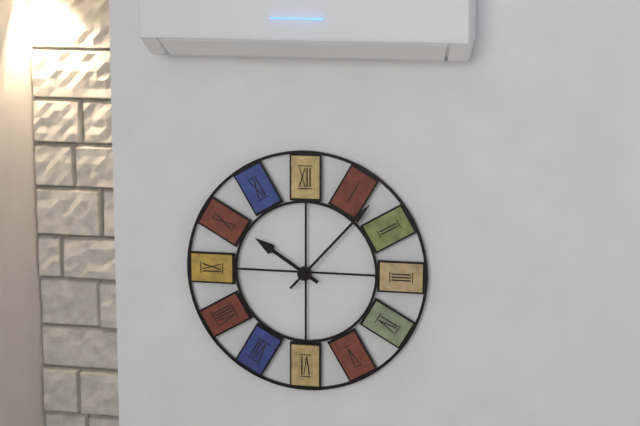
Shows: 10:07
